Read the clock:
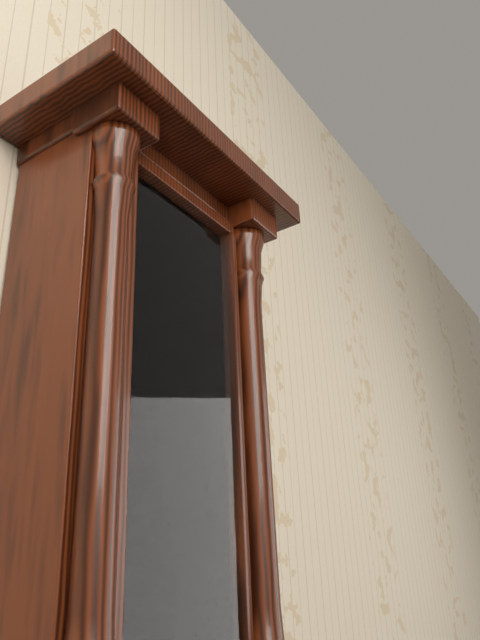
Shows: 3:17
